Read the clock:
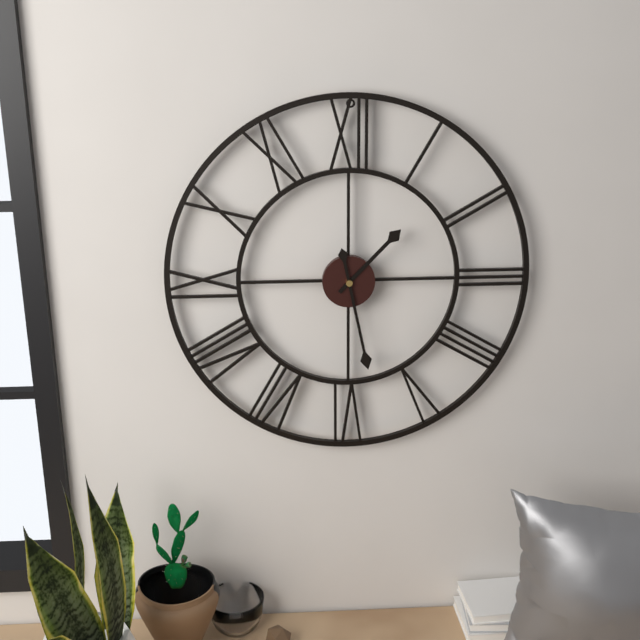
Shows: 1:28
